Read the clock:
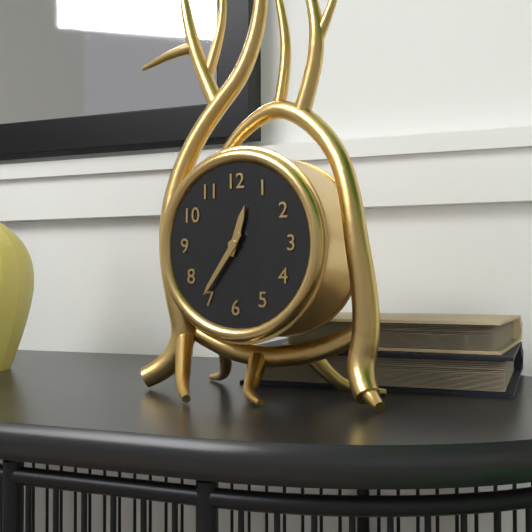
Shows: 12:36
